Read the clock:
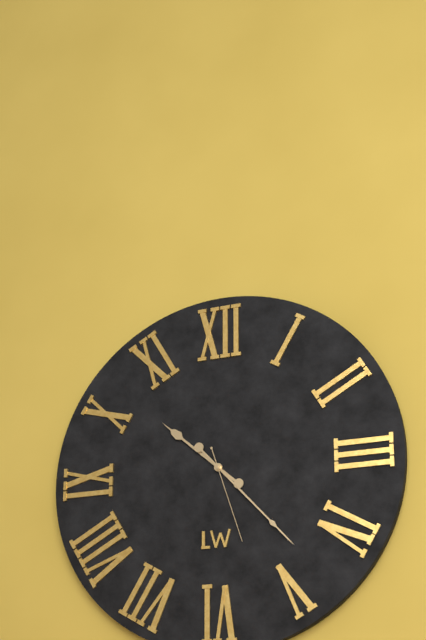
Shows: 10:23:27
